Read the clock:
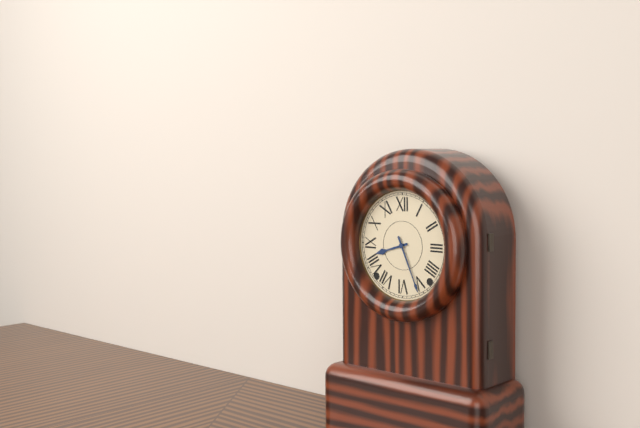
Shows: 8:26
